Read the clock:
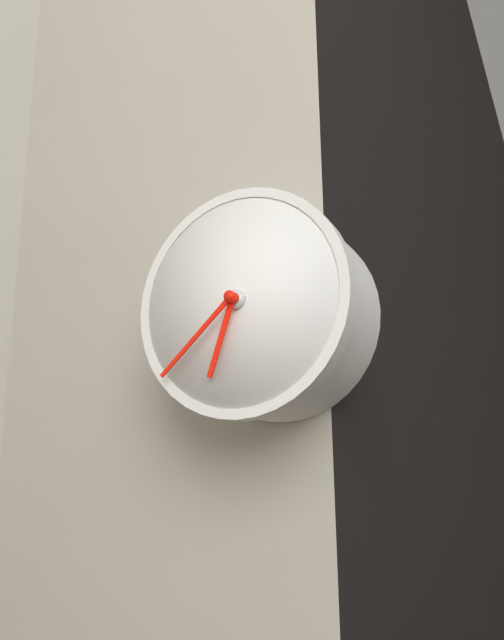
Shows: 6:38
